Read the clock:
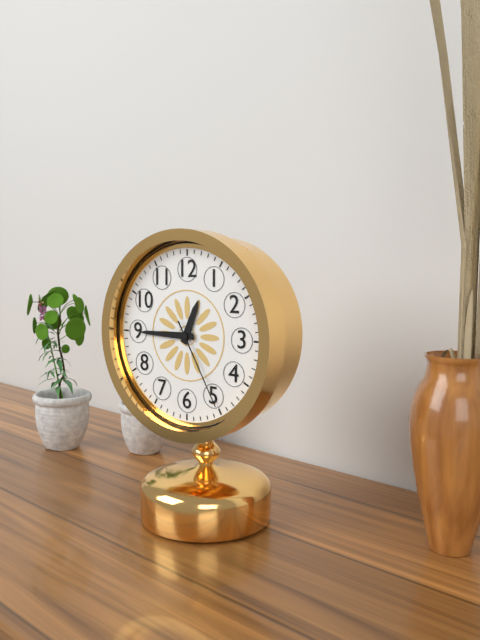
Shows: 12:45:25
